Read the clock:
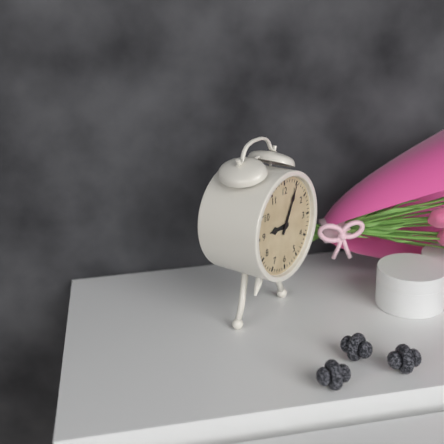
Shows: 9:05
